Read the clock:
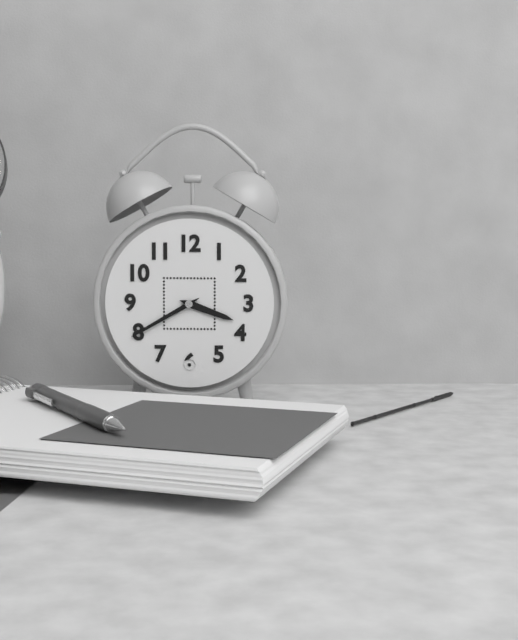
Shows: 3:40
